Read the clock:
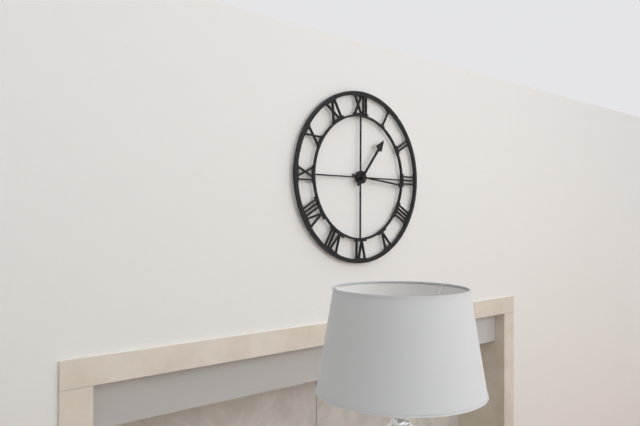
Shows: 1:16
